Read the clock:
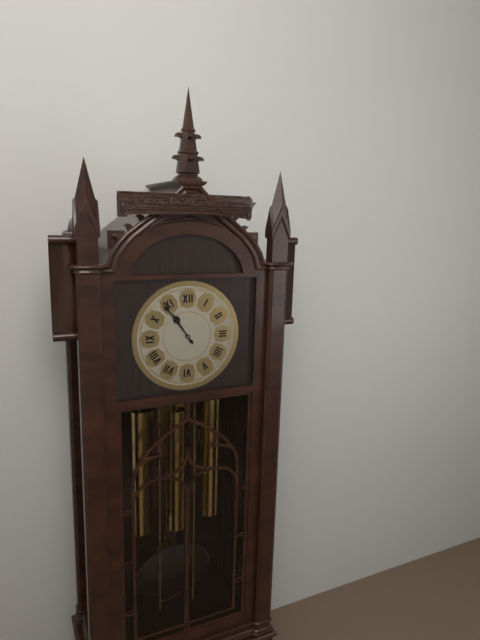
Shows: 10:54
